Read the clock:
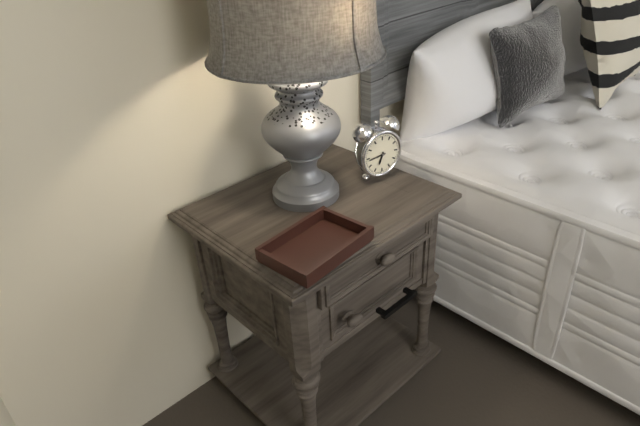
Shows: 6:44
